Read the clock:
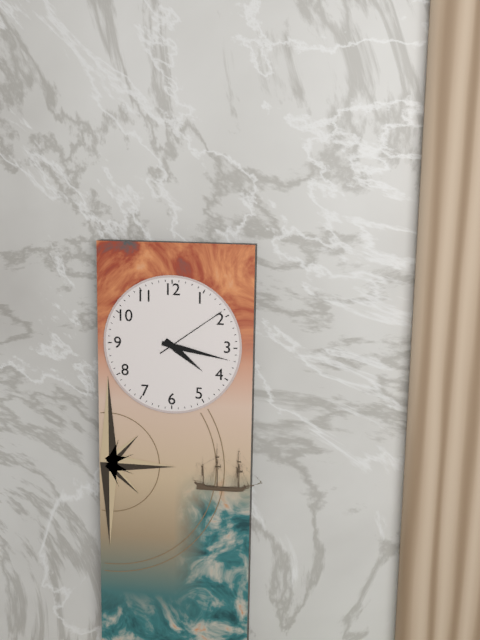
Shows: 4:17:09
